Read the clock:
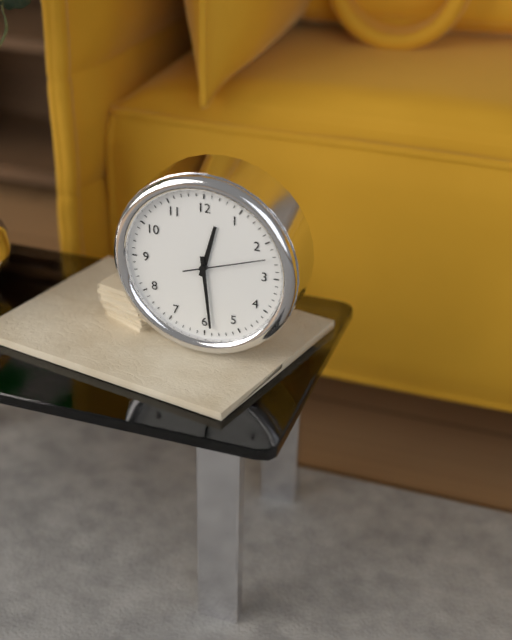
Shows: 12:29:12
